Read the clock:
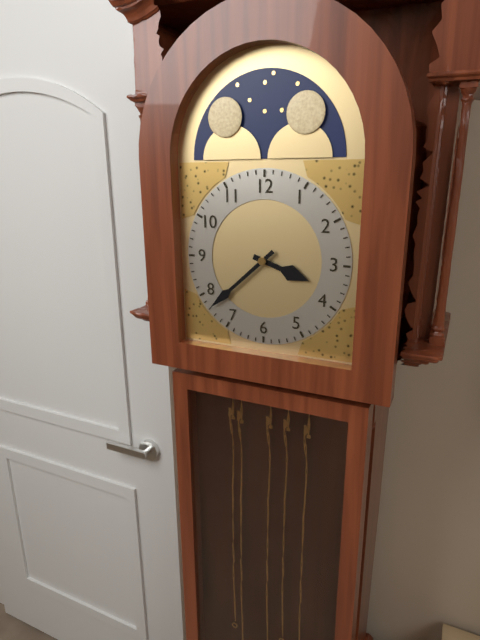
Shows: 3:38
